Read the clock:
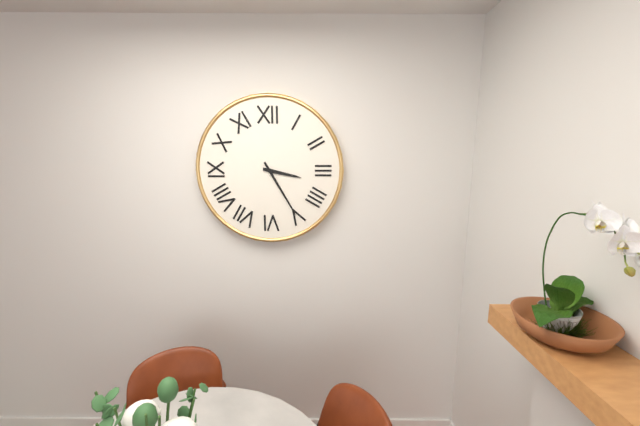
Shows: 3:25
